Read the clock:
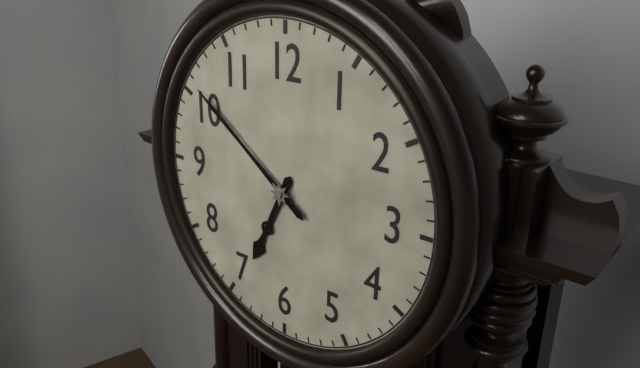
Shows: 6:51
